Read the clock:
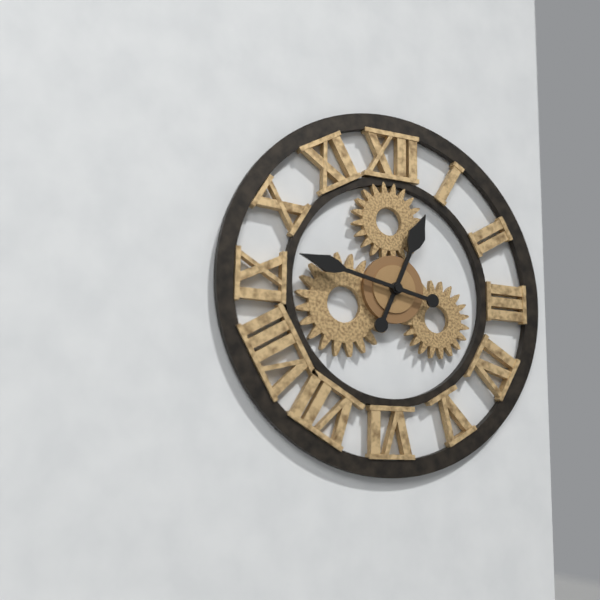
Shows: 12:47
